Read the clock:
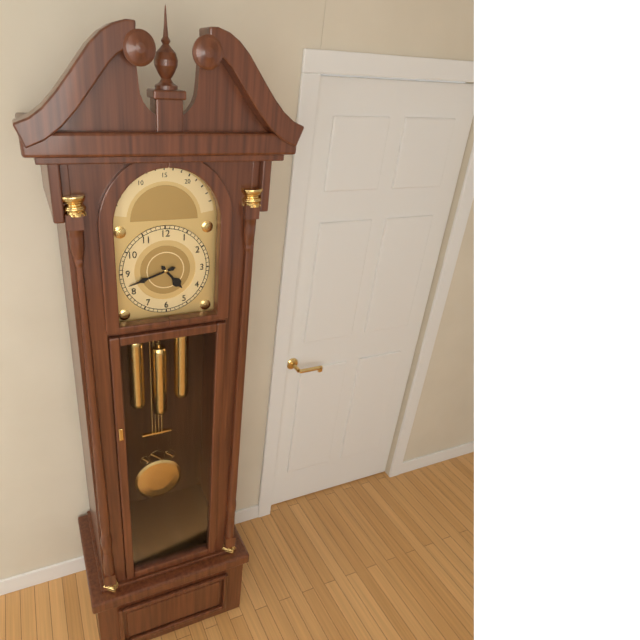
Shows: 4:42
